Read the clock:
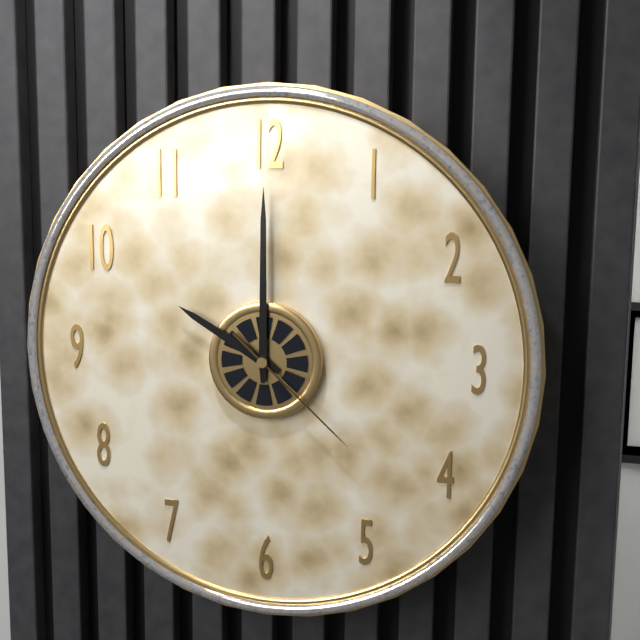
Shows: 10:00:22
